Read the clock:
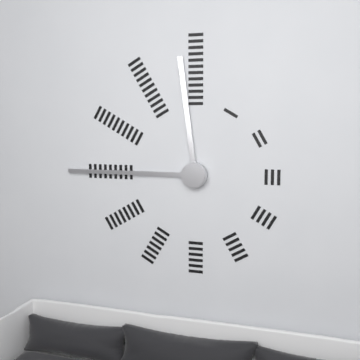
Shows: 11:45
